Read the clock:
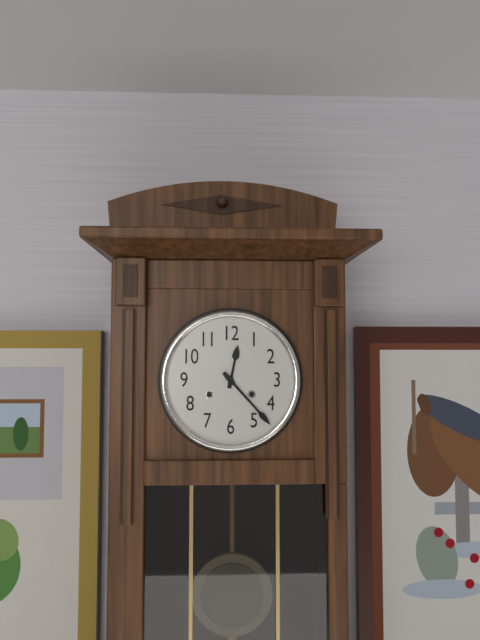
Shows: 12:23
